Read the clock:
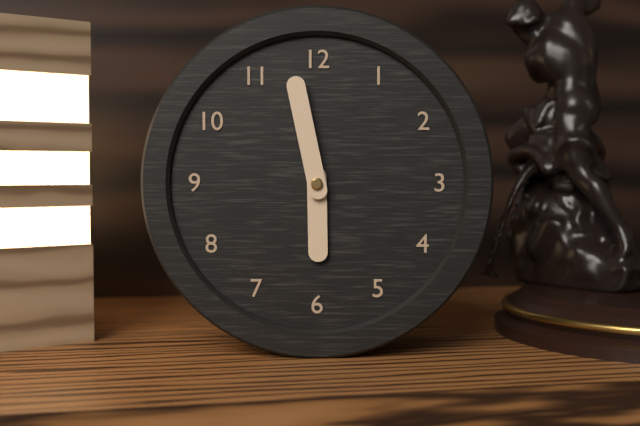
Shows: 5:58
